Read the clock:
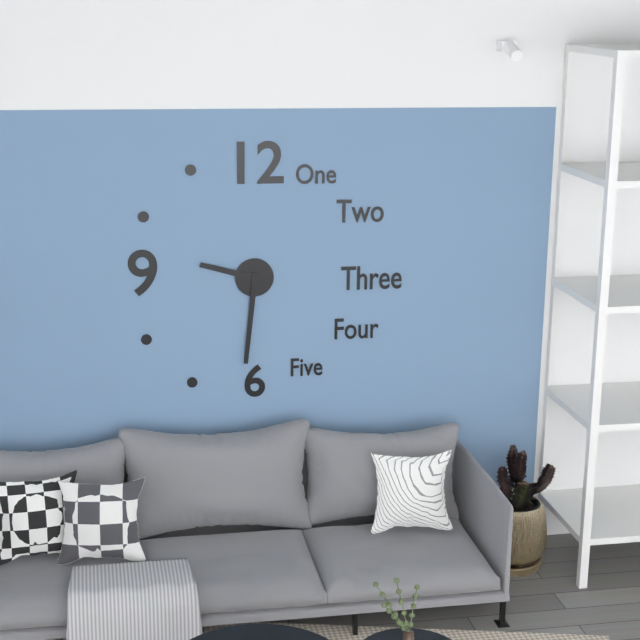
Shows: 9:31
